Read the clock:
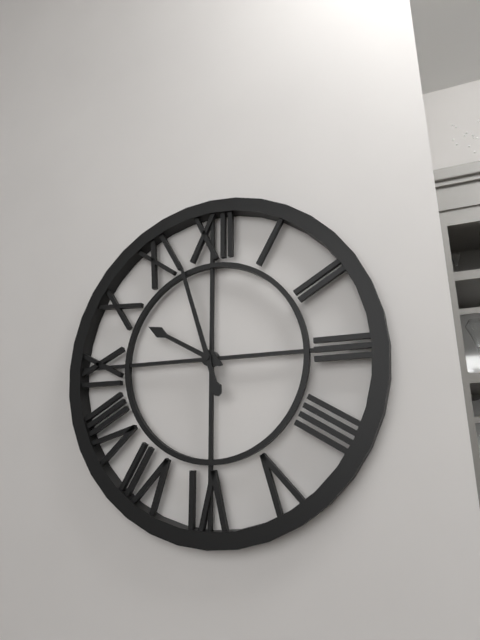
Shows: 9:57
